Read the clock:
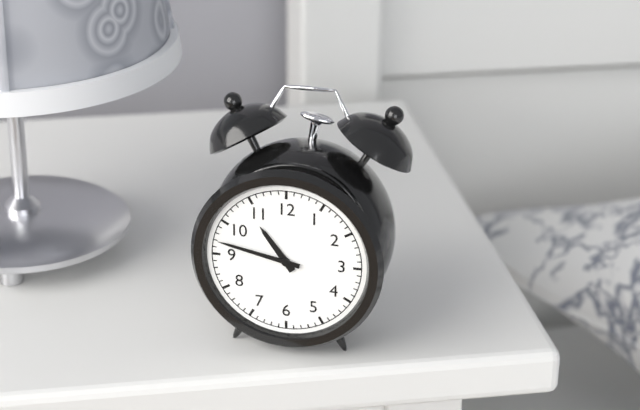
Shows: 10:47
